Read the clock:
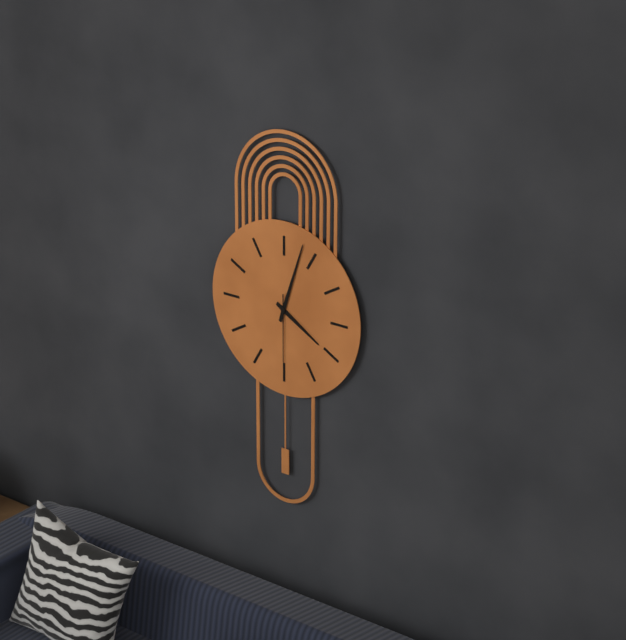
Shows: 4:03:30
